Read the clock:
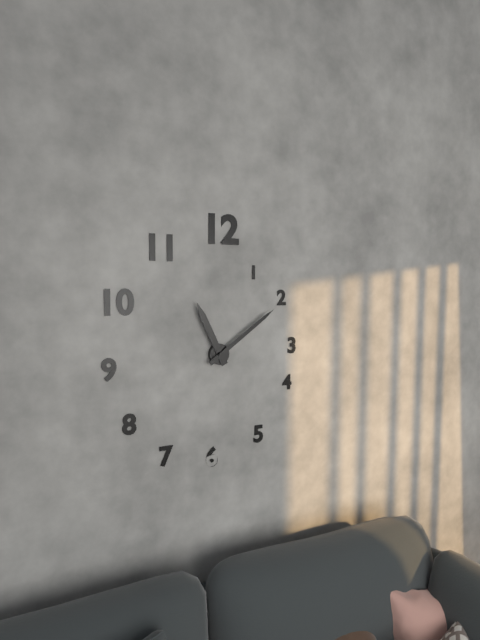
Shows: 11:09
